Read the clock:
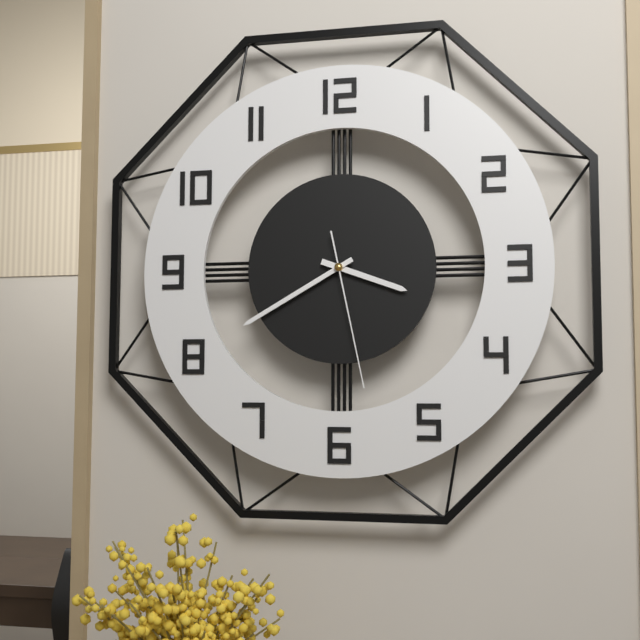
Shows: 3:40:28
